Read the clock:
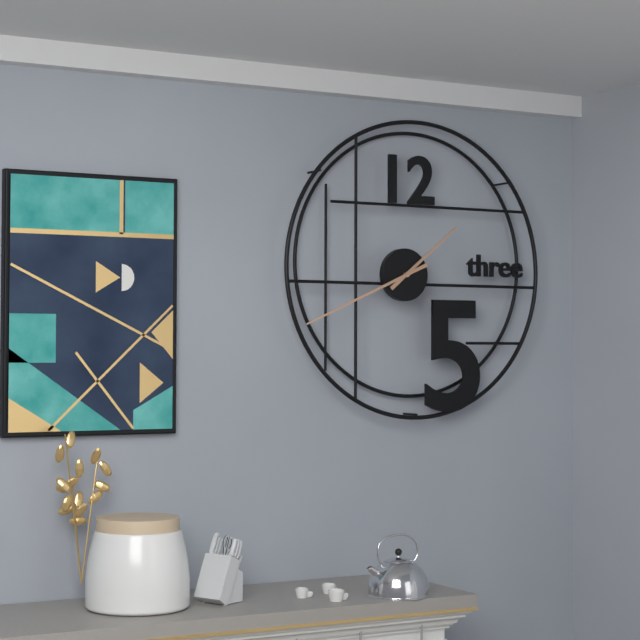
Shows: 1:41
